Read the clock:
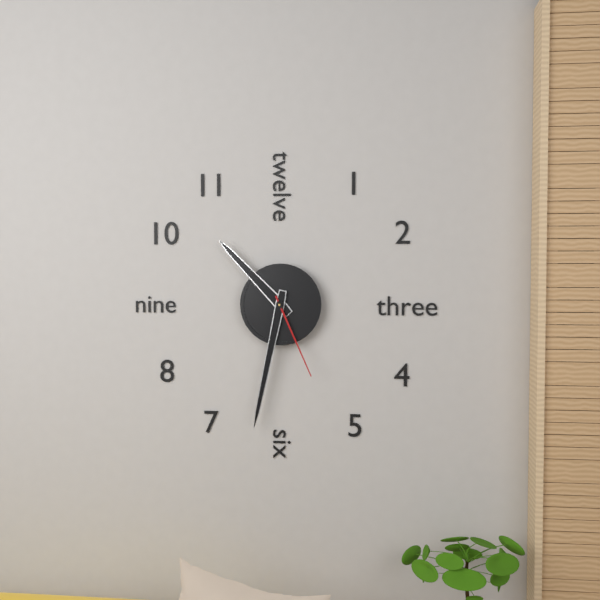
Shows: 10:32:26
